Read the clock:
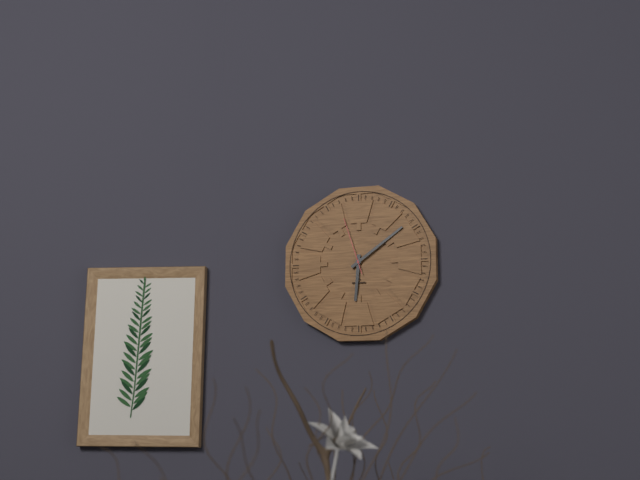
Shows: 6:09:57
